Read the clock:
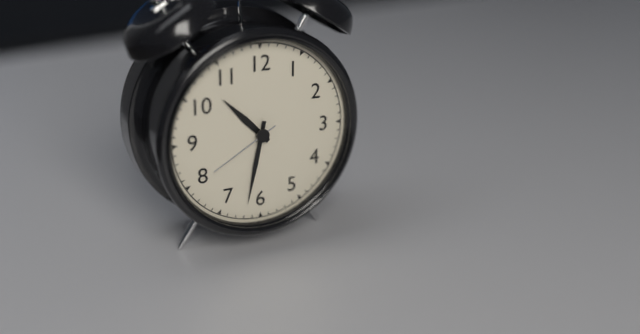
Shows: 10:32:40
